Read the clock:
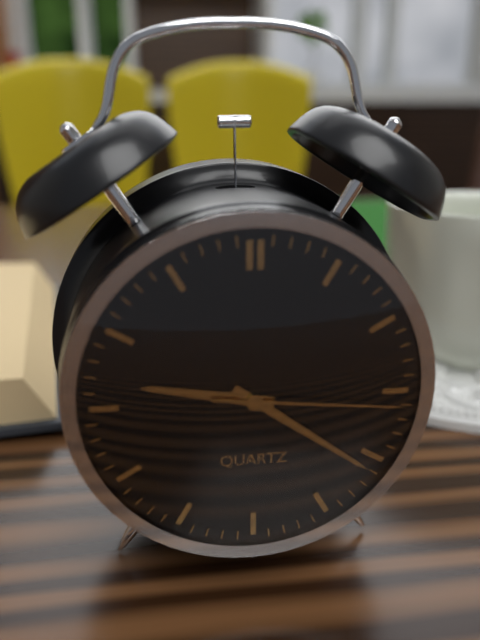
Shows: 9:21:16
